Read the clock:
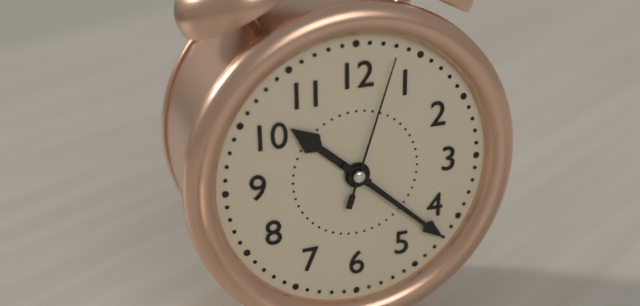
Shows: 10:22:03
